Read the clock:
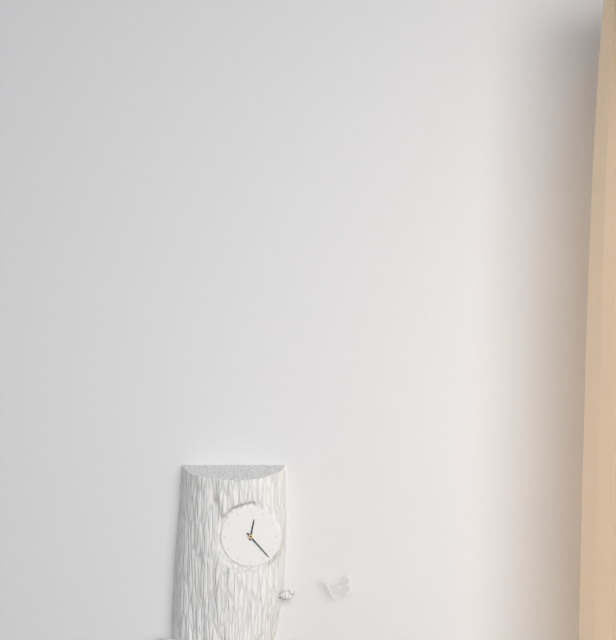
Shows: 12:23
